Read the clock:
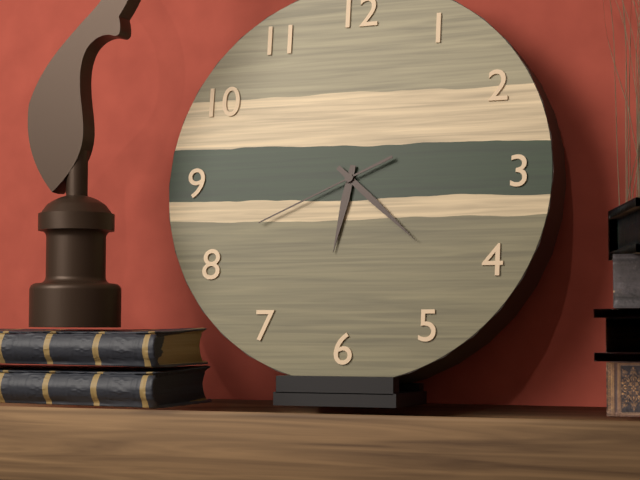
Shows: 6:22:41
